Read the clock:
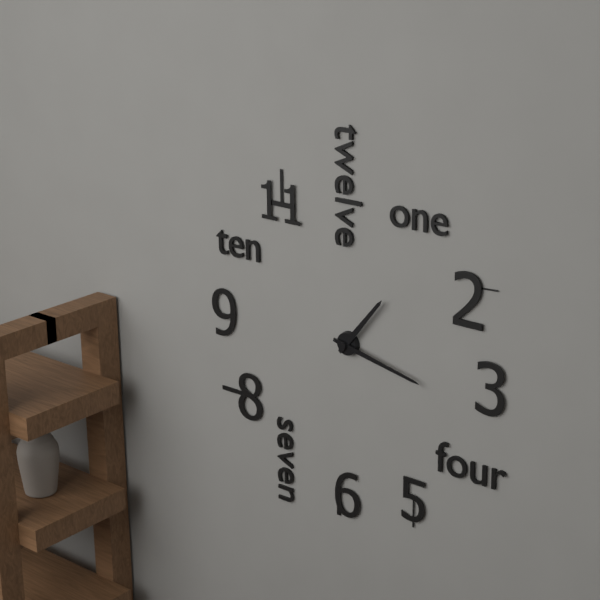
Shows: 1:17
